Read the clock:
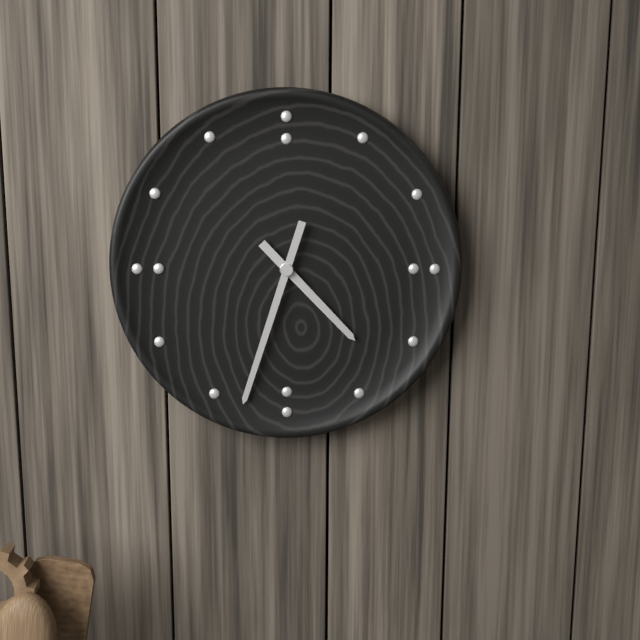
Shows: 4:33
